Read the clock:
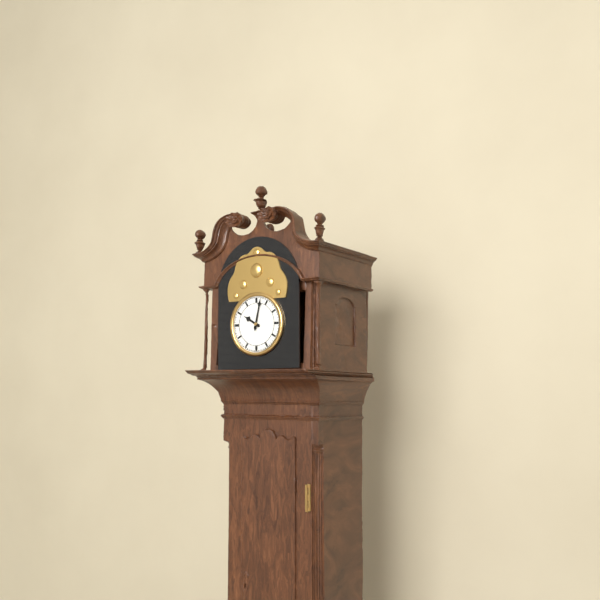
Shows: 10:02
